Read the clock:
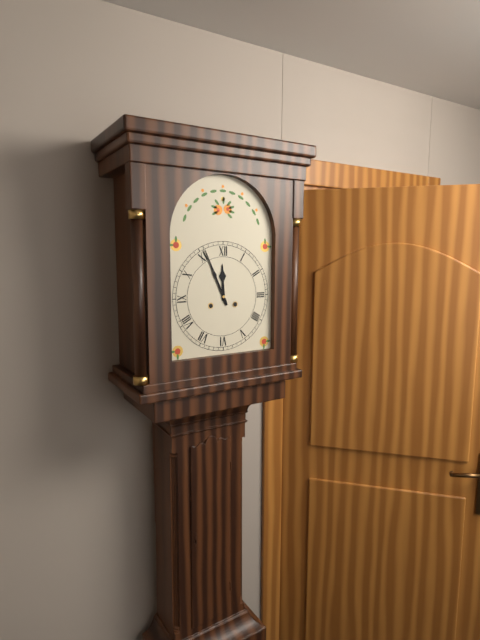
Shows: 11:56
